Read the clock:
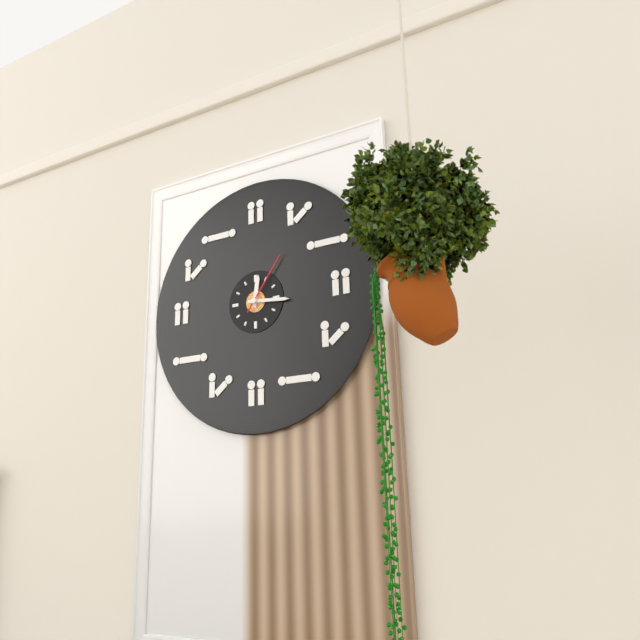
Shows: 12:16:06
